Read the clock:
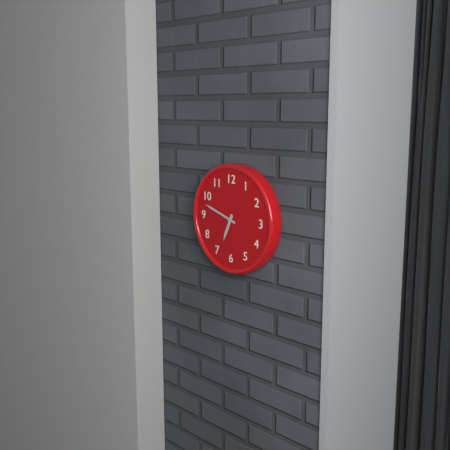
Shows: 6:48
